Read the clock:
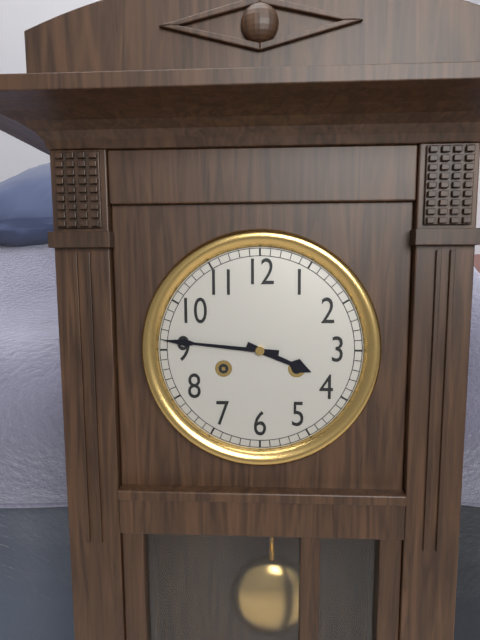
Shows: 3:46
